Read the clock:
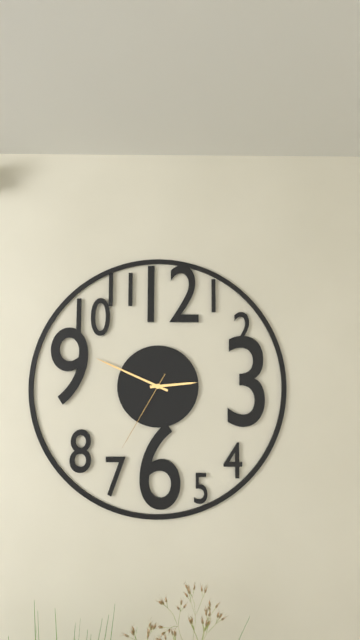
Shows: 2:49:35
